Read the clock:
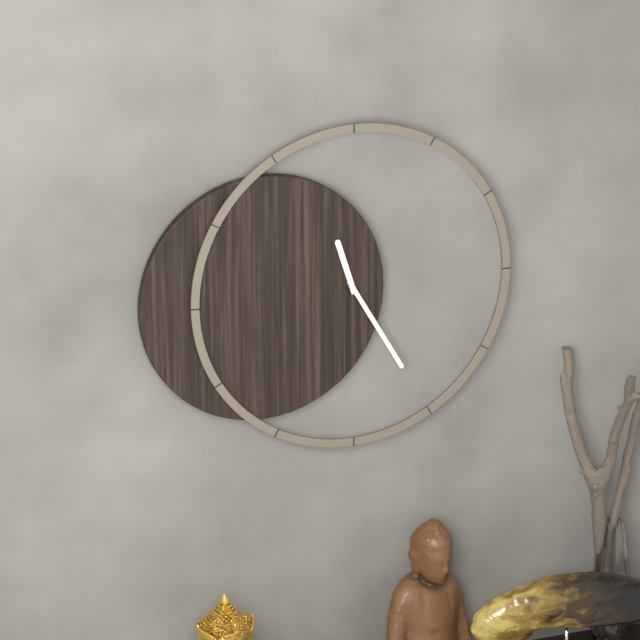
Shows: 11:25
